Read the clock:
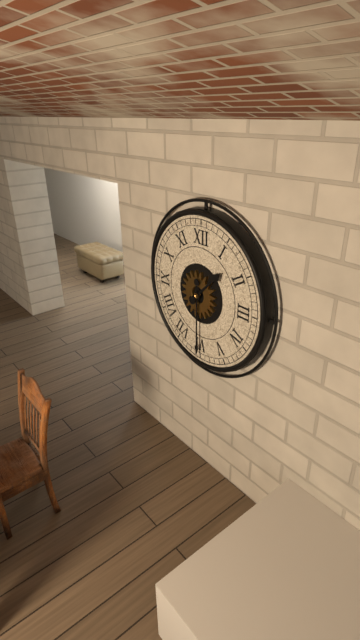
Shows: 1:30
